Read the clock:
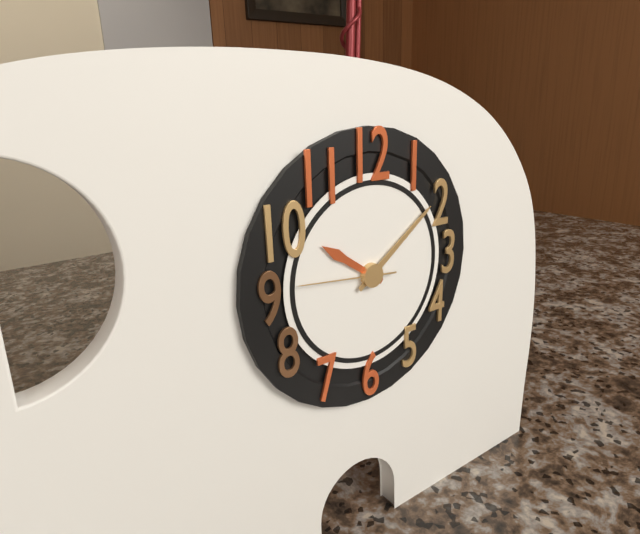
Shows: 10:09:46
